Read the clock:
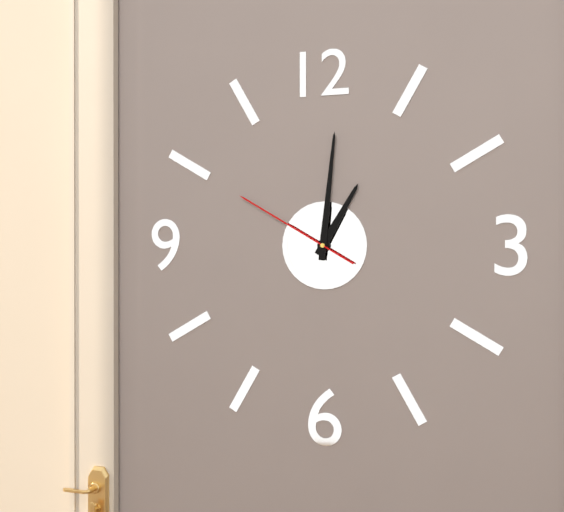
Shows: 1:01:50
